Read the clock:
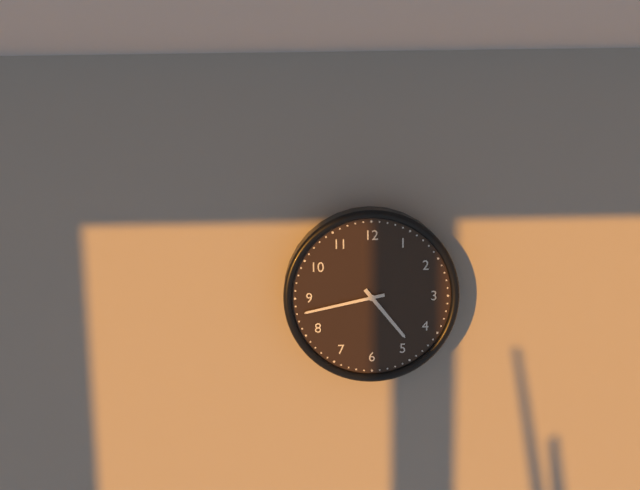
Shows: 4:43
